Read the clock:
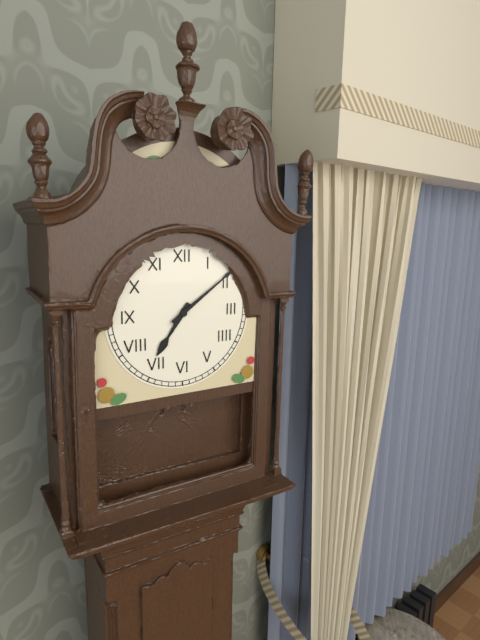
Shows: 7:09
